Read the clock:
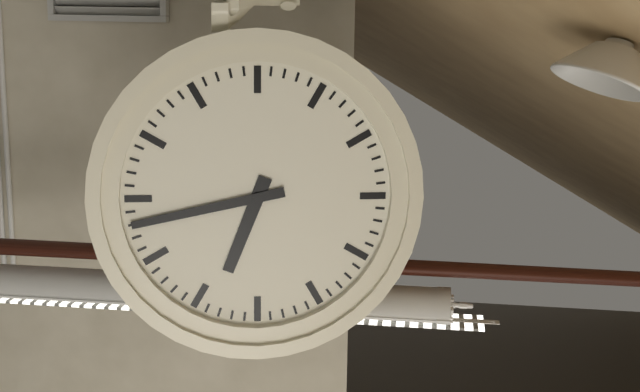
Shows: 6:43
